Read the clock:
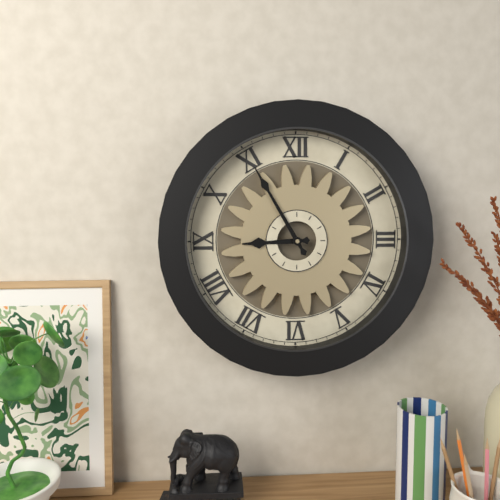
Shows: 8:55
